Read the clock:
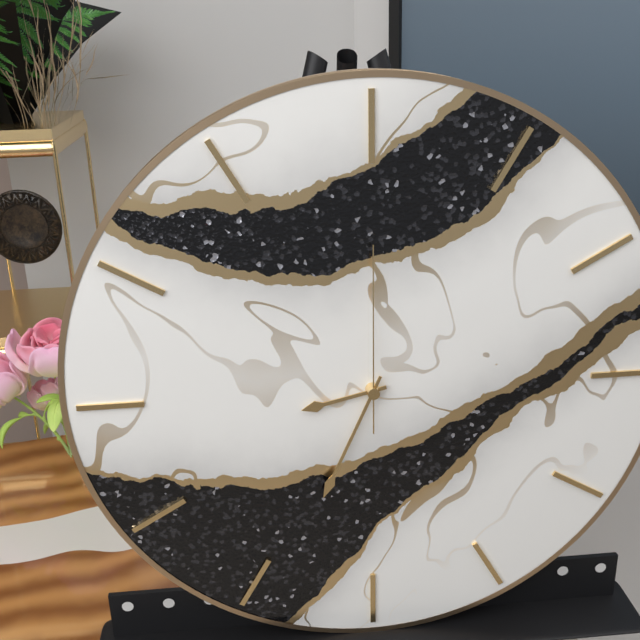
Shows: 8:34:00
